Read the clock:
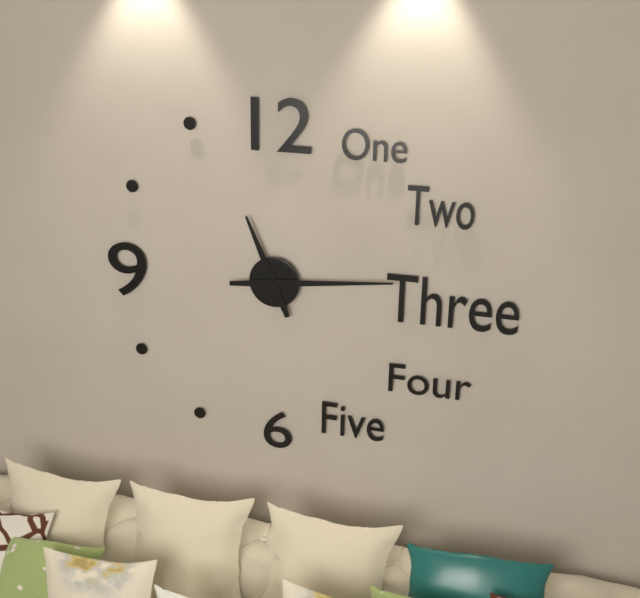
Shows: 11:14
